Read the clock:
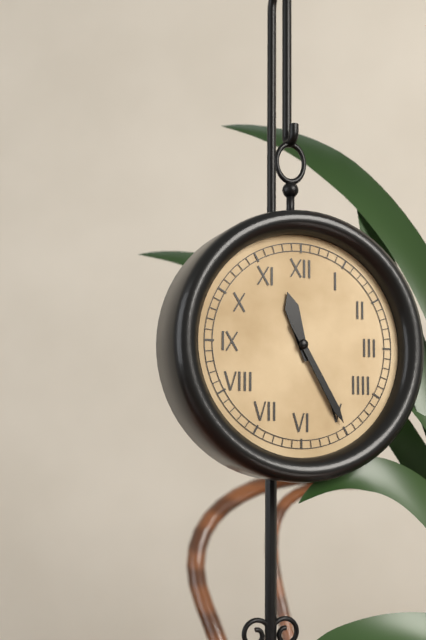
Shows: 11:25
